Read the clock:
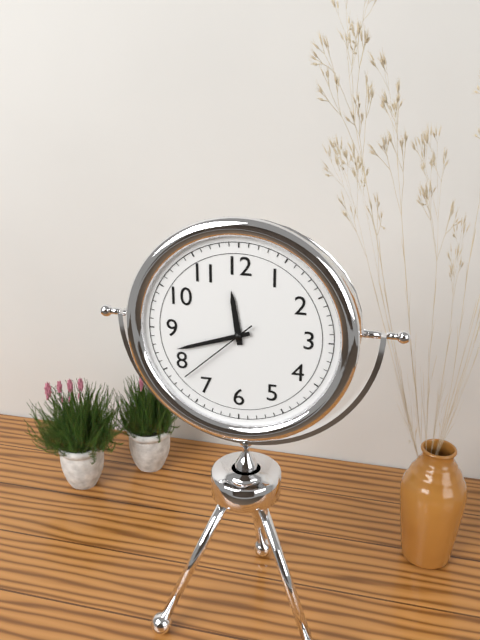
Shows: 11:42:38
